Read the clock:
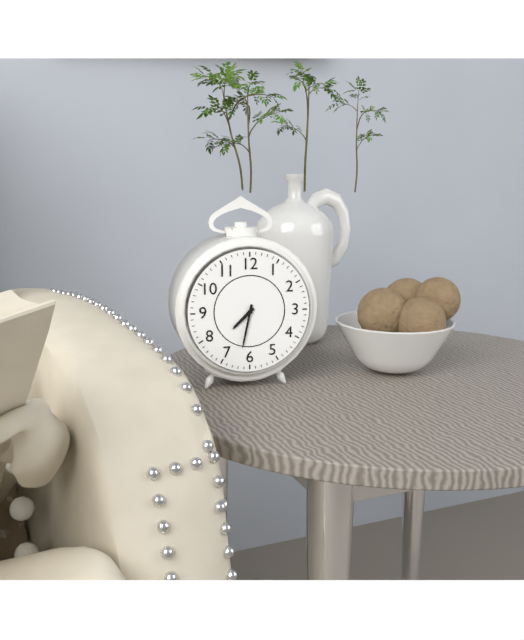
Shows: 7:32
